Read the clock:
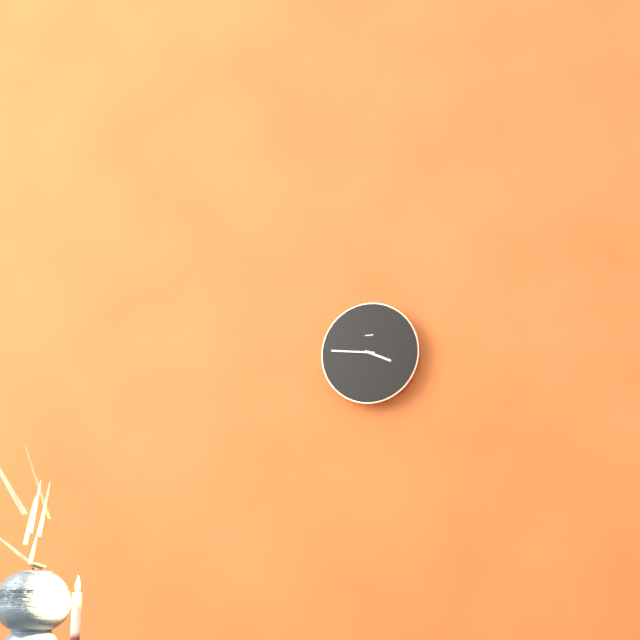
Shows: 3:46
